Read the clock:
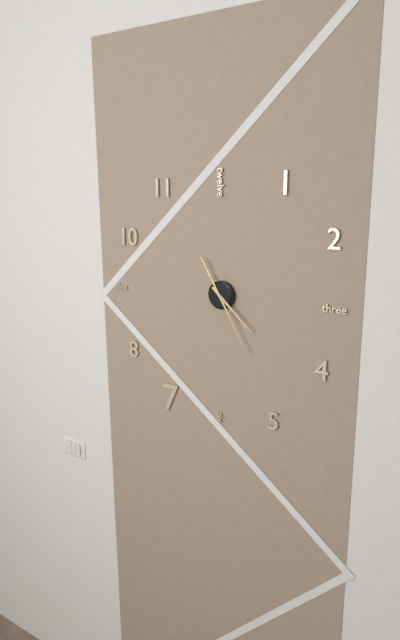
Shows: 4:25
